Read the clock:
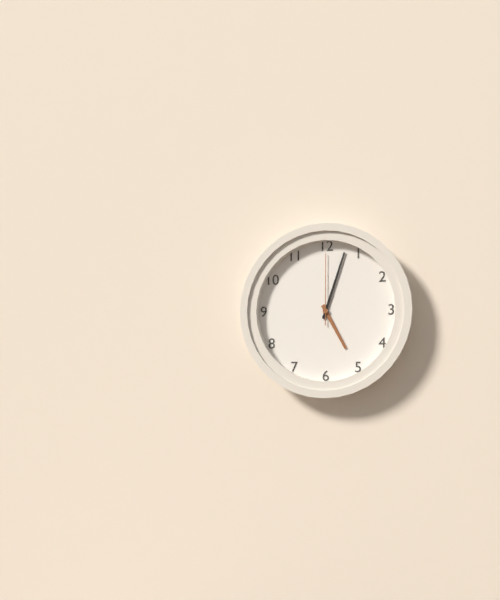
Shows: 5:03:00
